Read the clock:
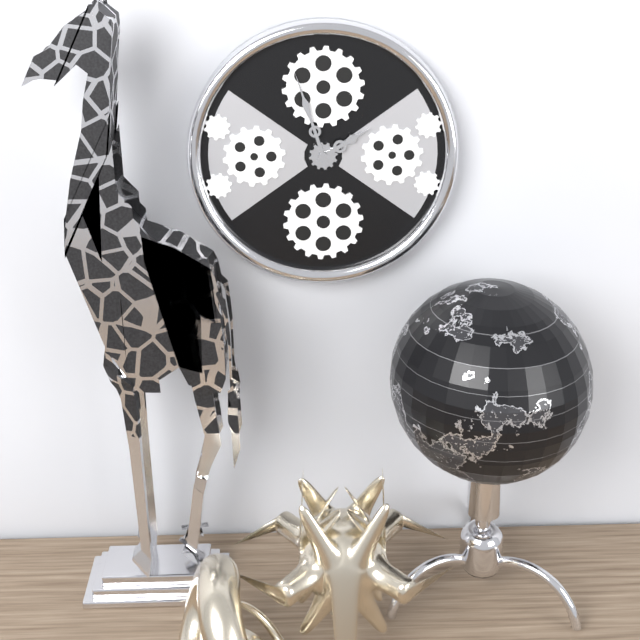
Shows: 1:57
